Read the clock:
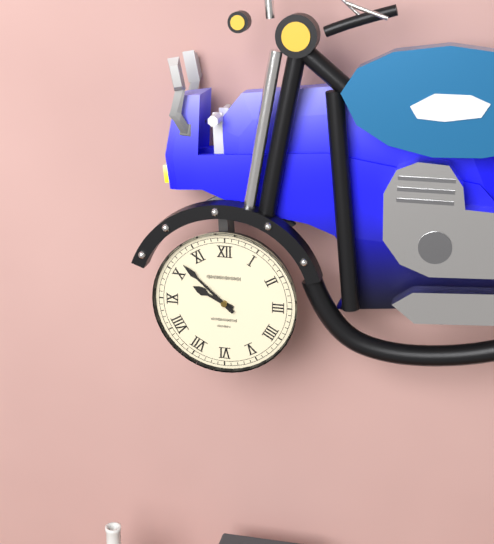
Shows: 9:52
